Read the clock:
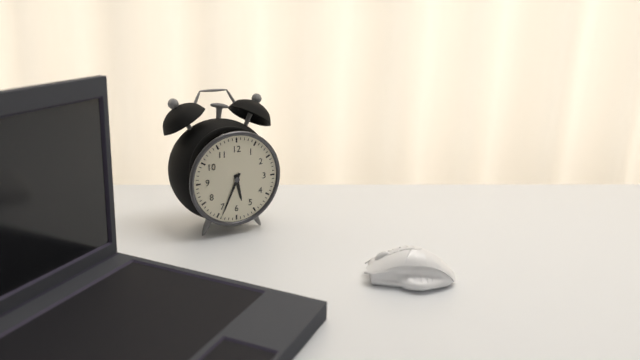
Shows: 5:34
